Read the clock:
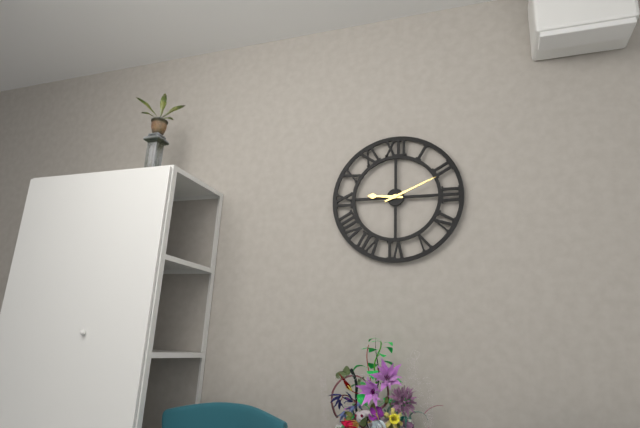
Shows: 9:11
